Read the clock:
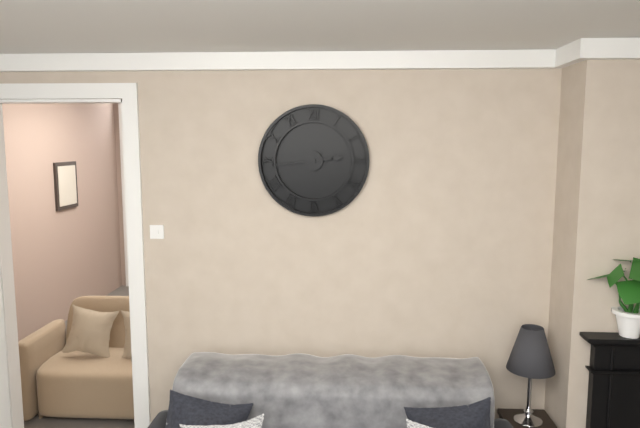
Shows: 2:44
